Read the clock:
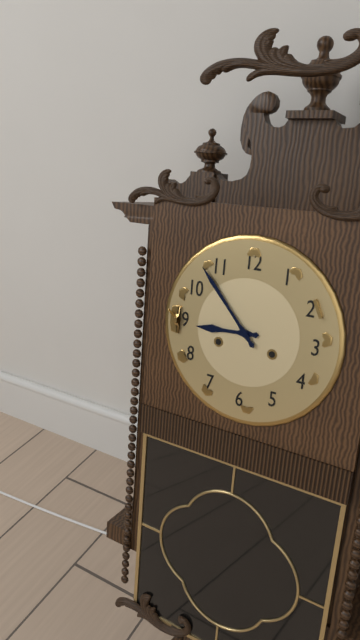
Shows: 8:53
